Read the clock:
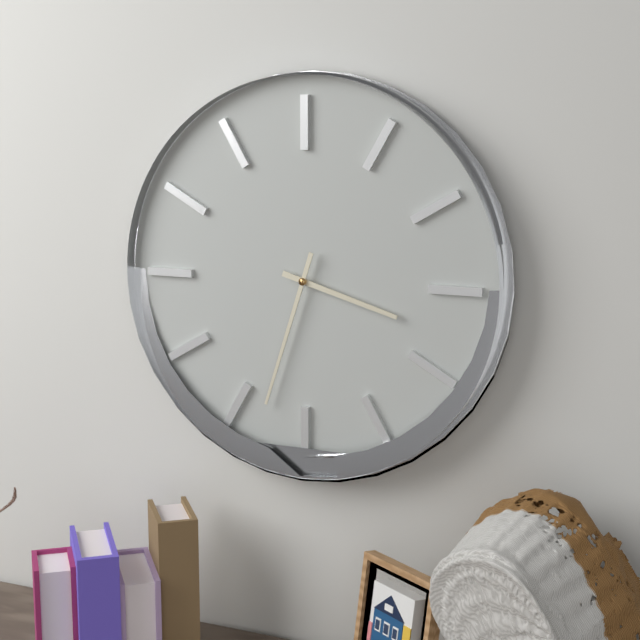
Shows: 3:33
